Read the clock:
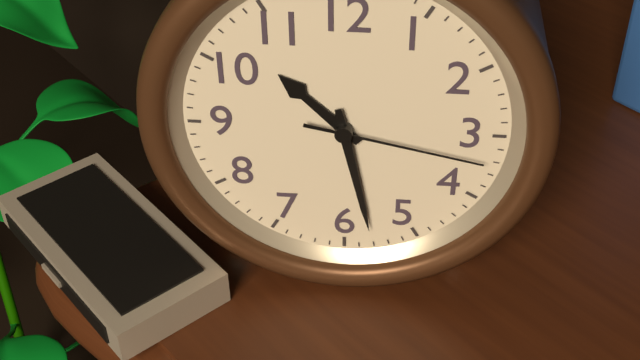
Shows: 10:28:17
